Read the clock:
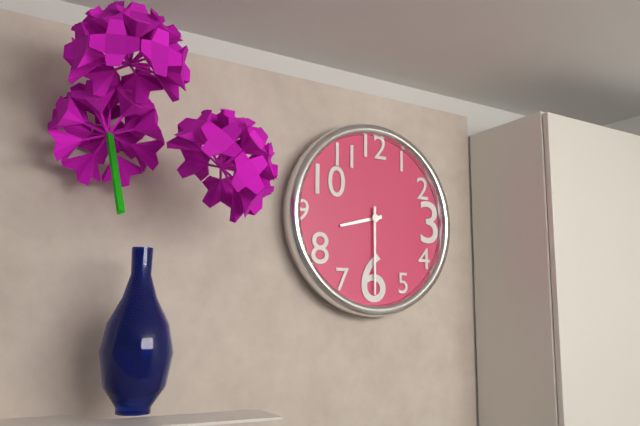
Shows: 8:30
